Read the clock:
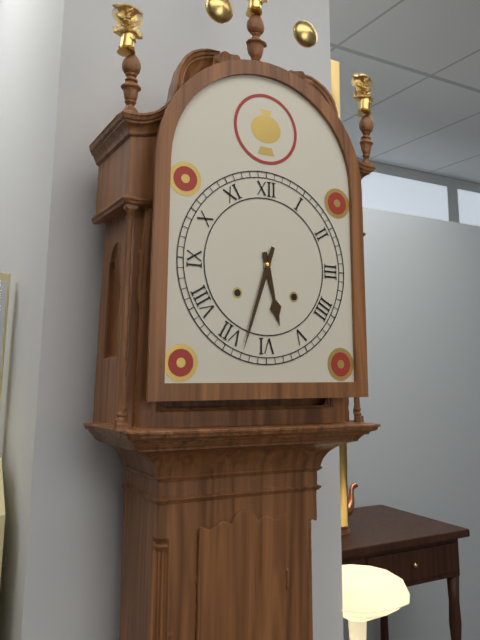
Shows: 5:33
